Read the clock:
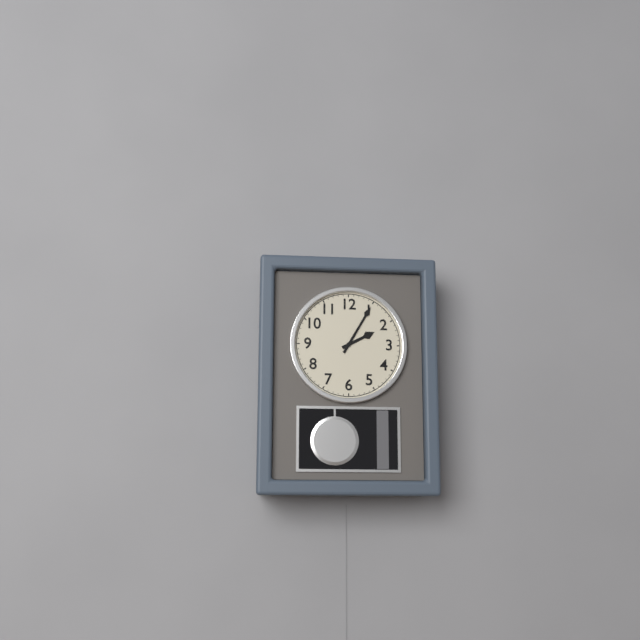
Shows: 2:05
